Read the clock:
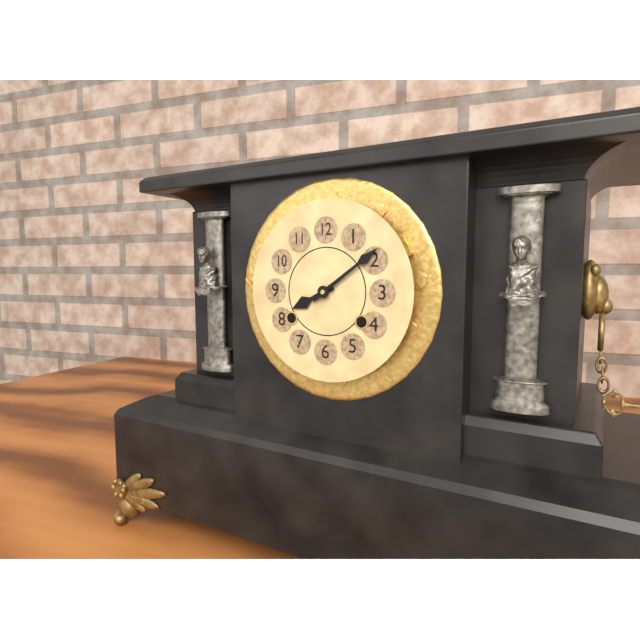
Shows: 8:09
